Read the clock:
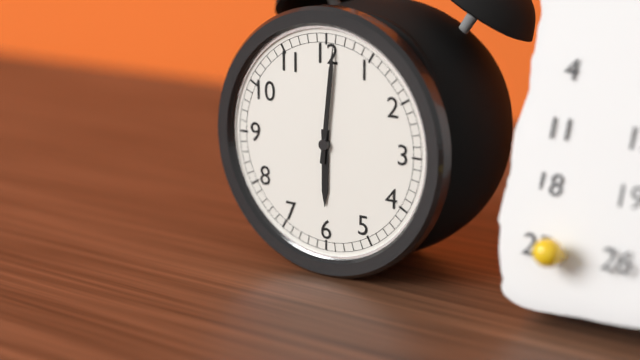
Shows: 6:01
